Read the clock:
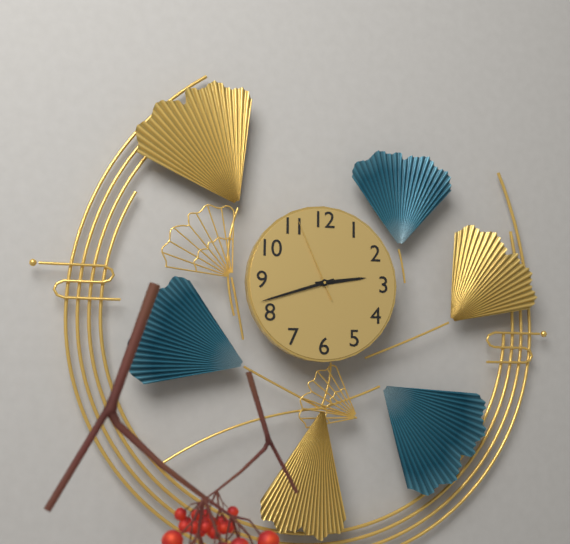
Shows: 2:42:56
